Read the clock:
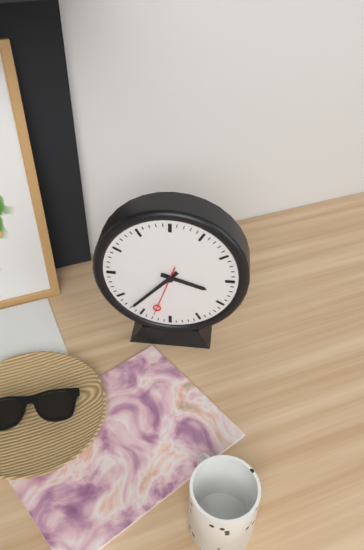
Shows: 3:37:33
